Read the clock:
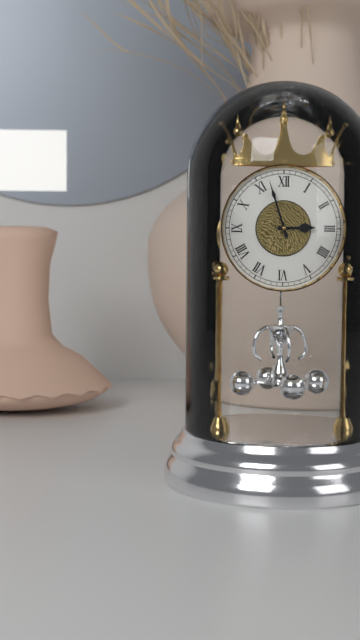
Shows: 2:57
